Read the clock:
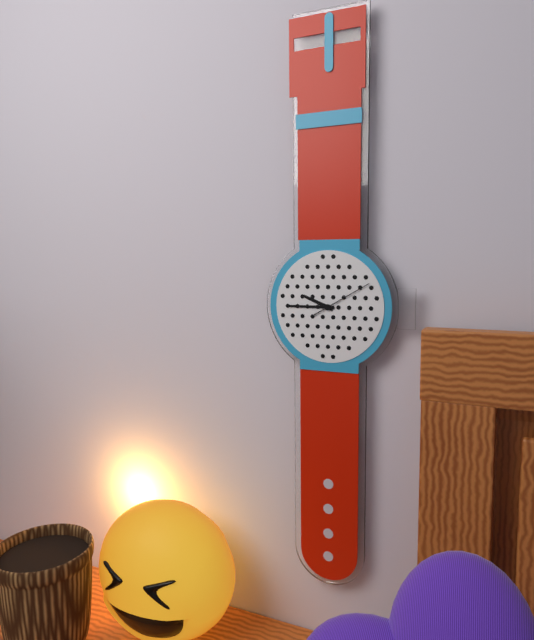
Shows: 9:45:10
